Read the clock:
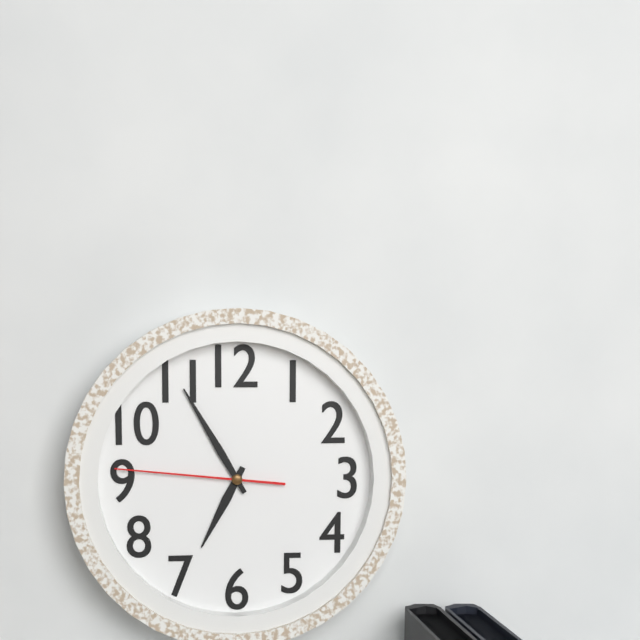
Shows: 6:55:46
